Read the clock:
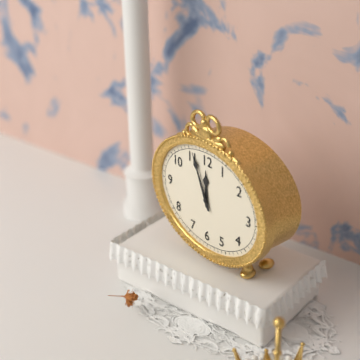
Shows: 11:56
